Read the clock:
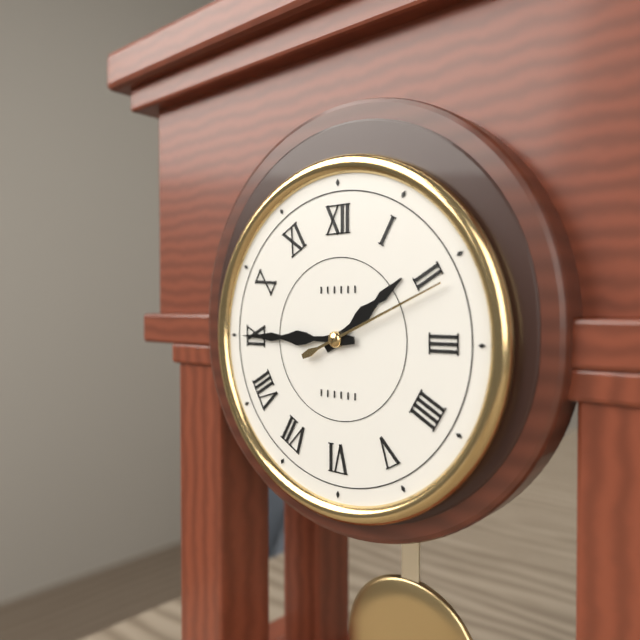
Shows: 1:45:11
